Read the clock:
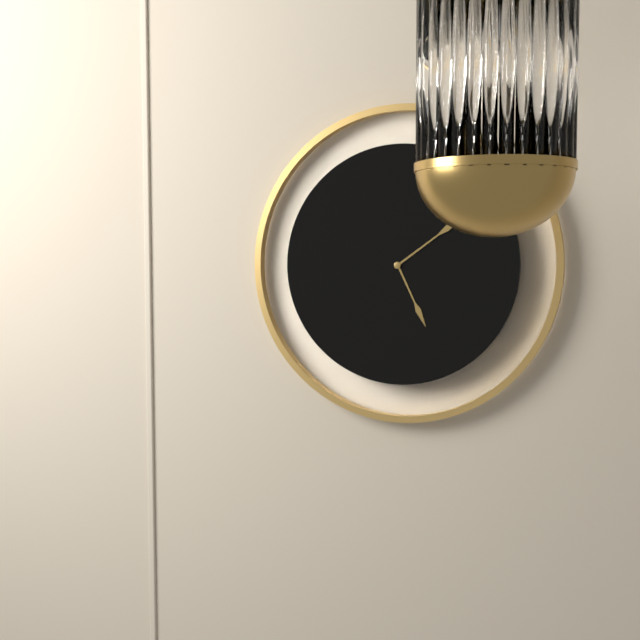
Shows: 5:09
